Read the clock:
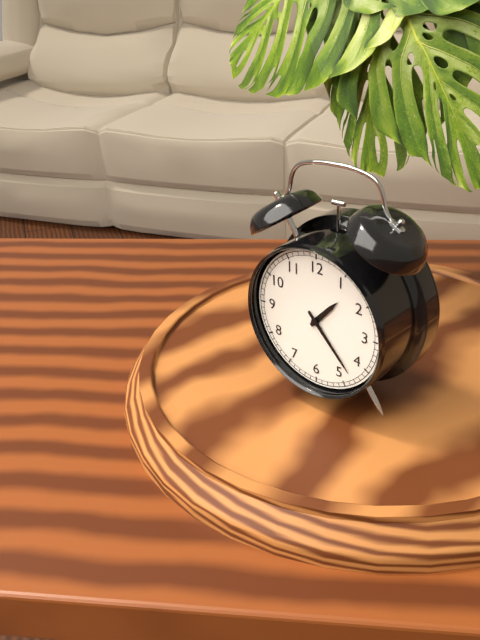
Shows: 1:23
